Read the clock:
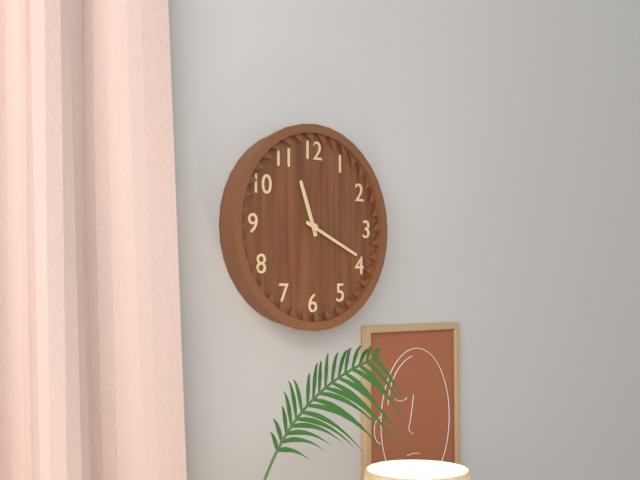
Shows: 11:19
